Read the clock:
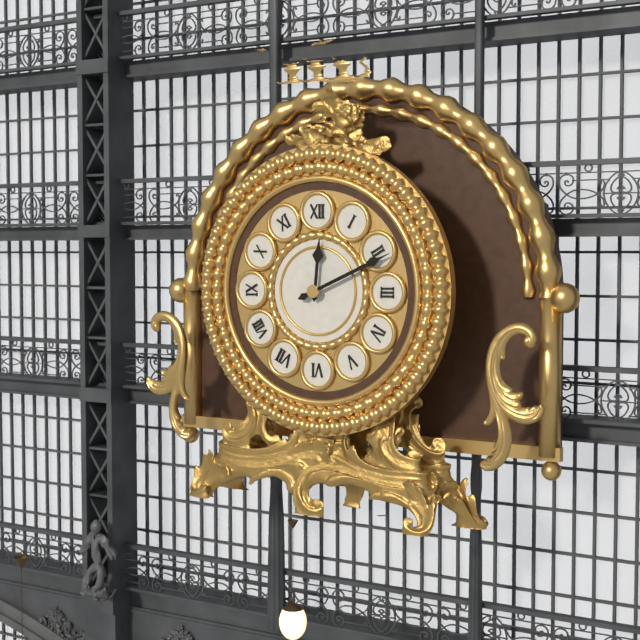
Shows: 12:11
